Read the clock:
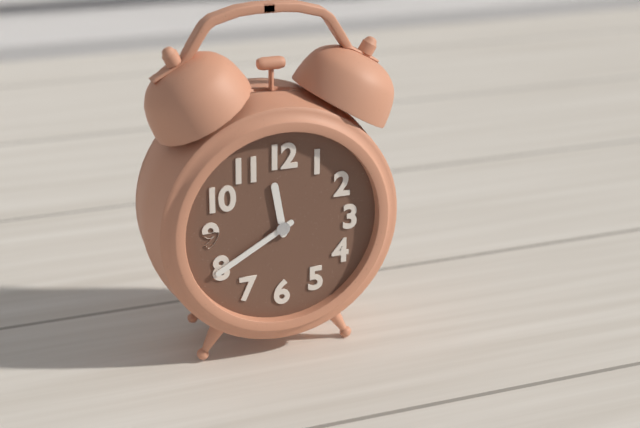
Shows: 11:40
